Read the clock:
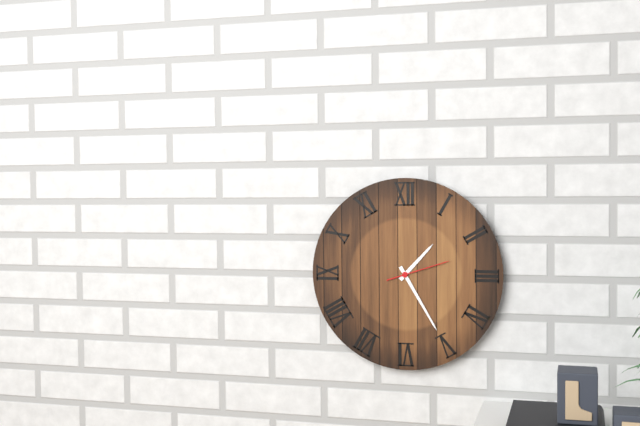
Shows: 1:25:12
